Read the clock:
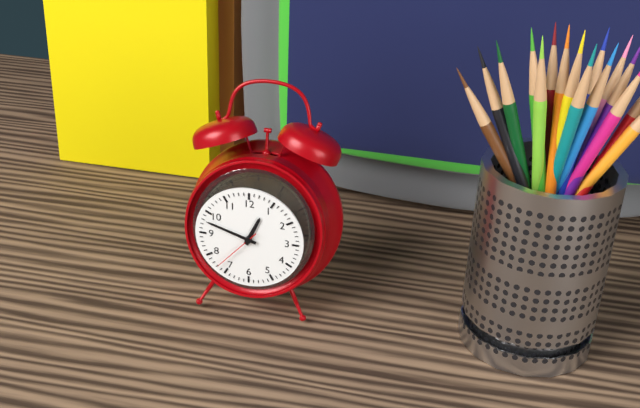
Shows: 12:48:37
